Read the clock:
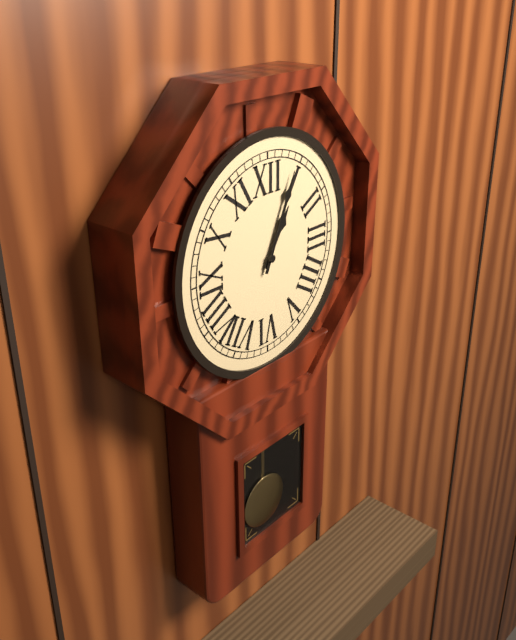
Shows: 1:04
